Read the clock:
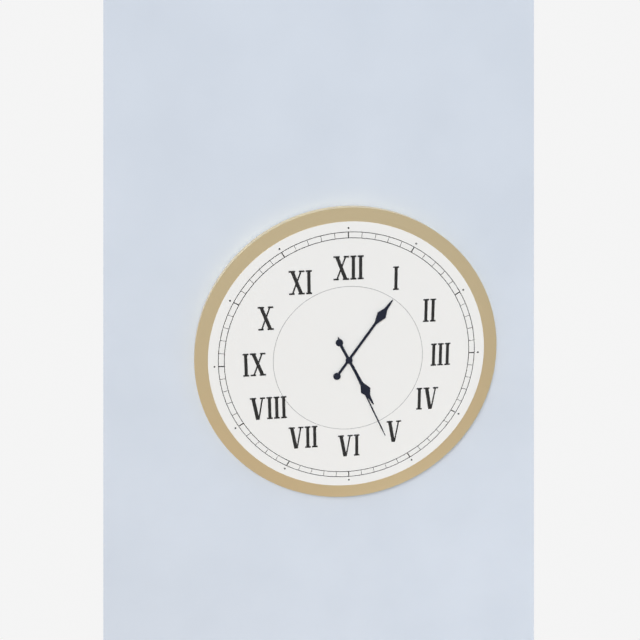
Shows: 5:06:26
